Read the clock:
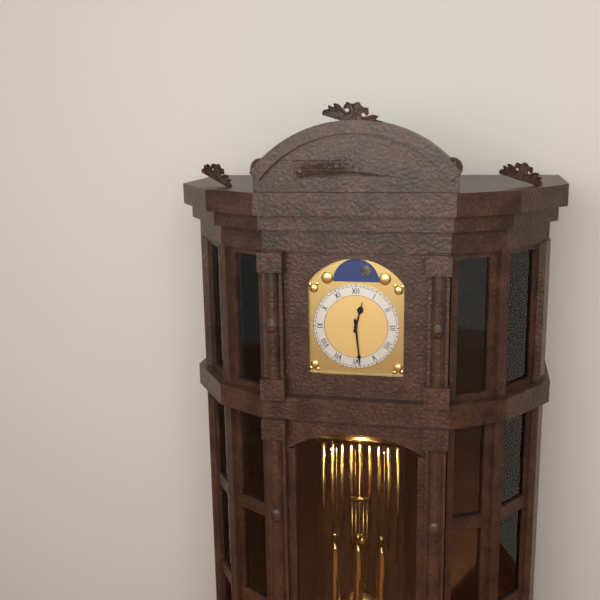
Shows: 12:29
